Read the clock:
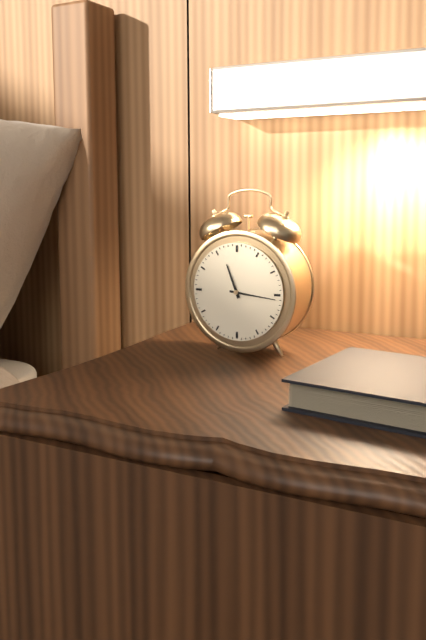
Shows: 11:16
